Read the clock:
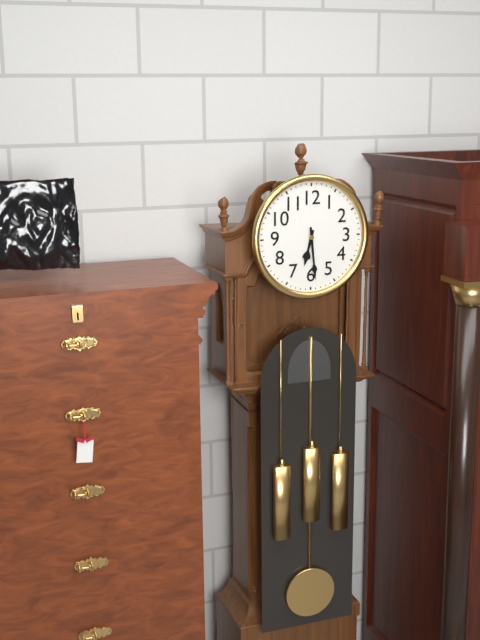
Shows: 6:29
